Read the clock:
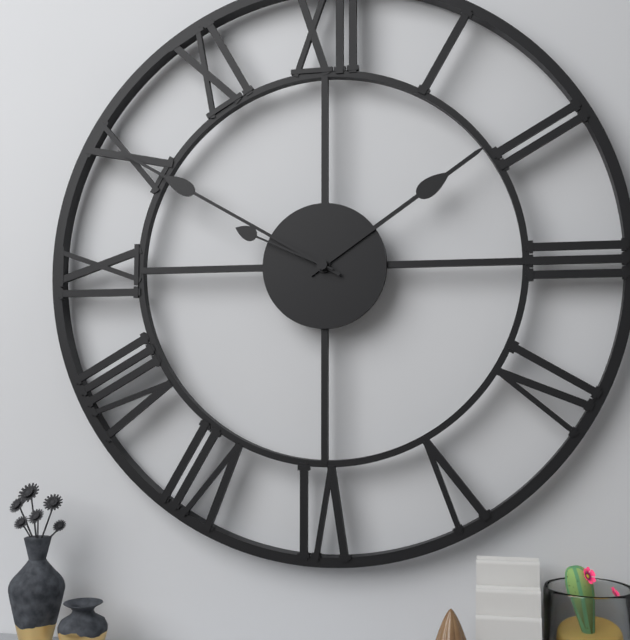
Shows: 1:50:49
